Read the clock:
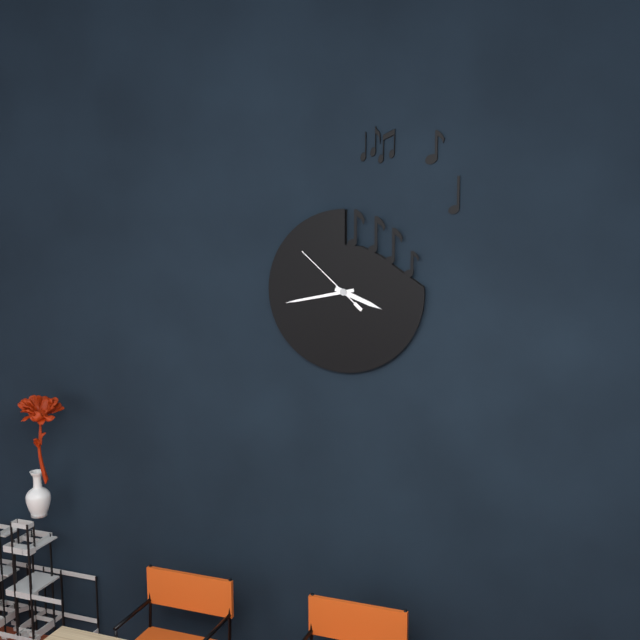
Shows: 3:43:52
